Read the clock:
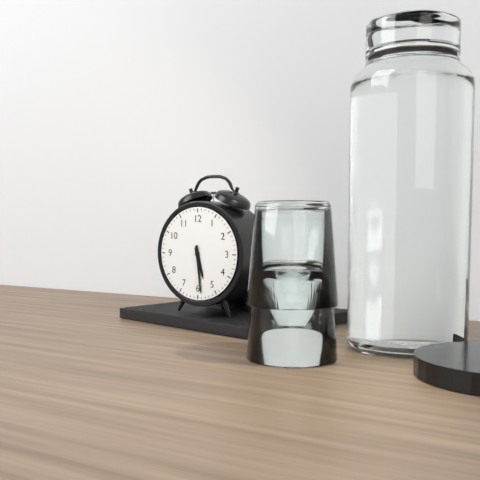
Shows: 5:29
